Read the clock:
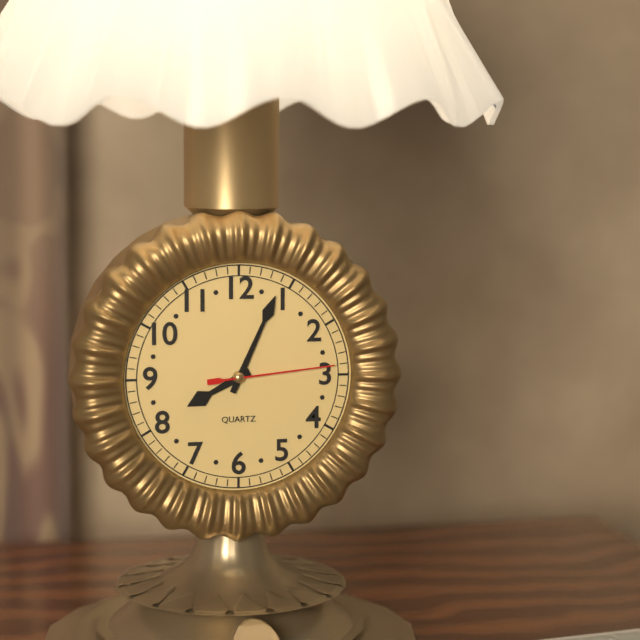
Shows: 8:04:14
